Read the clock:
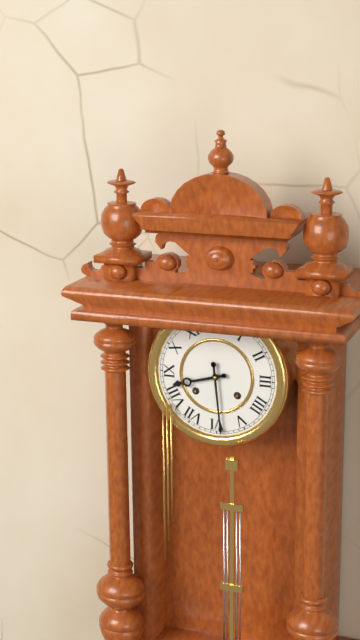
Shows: 8:29
